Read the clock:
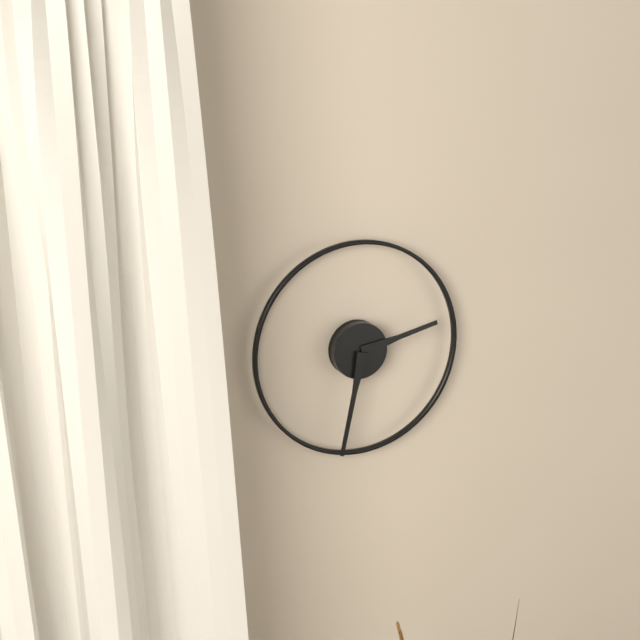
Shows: 2:32
